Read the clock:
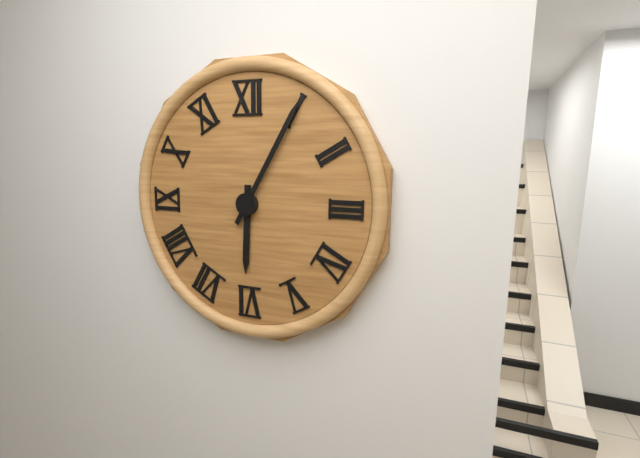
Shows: 6:05
